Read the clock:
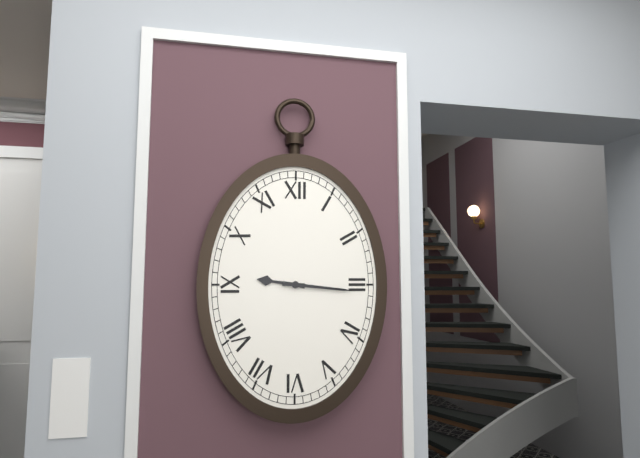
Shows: 9:16
